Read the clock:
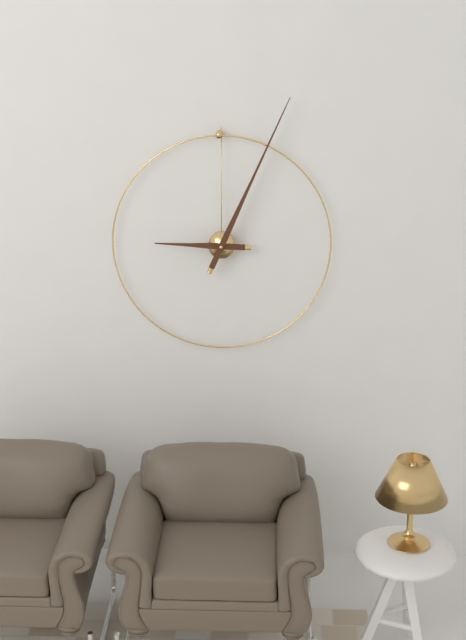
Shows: 9:04
